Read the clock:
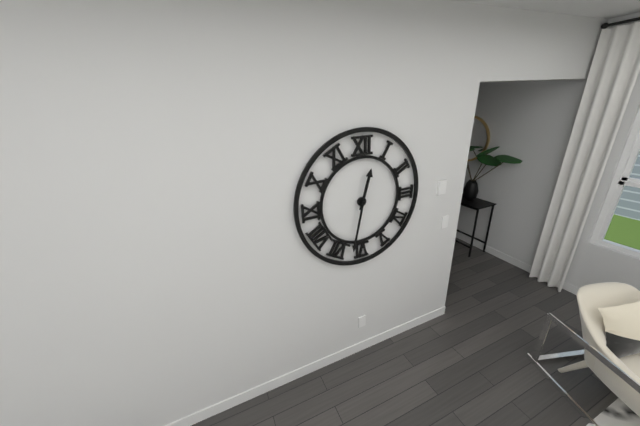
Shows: 12:32
